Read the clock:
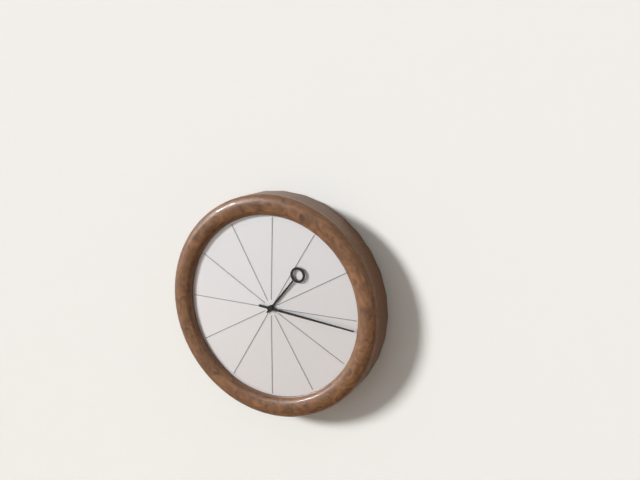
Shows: 1:16
